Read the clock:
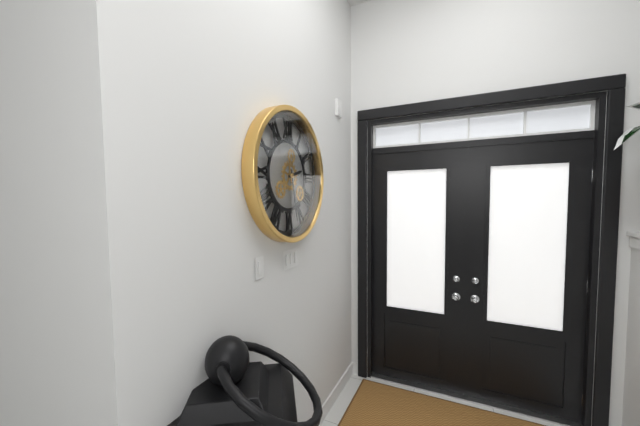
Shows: 2:28
